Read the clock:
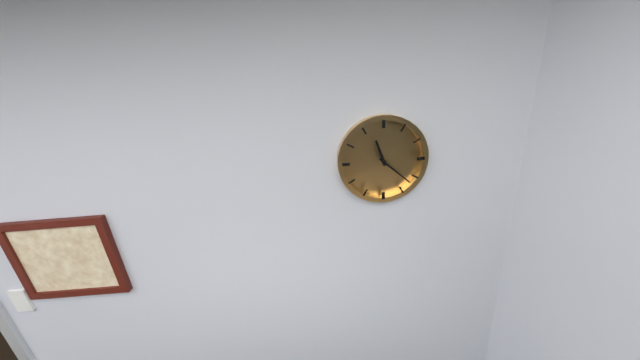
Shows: 11:22
